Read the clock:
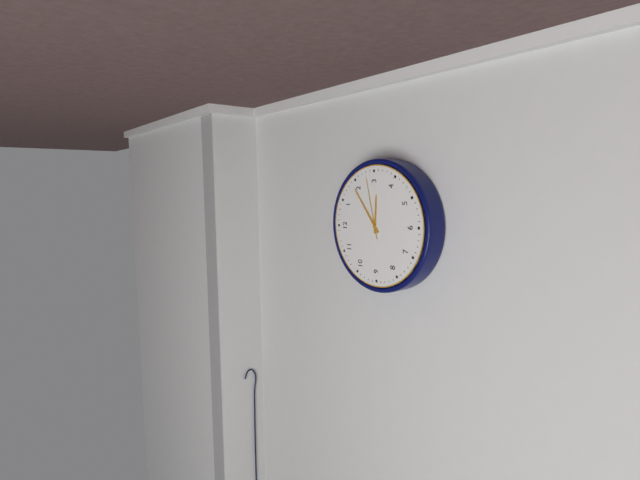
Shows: 3:09:13
